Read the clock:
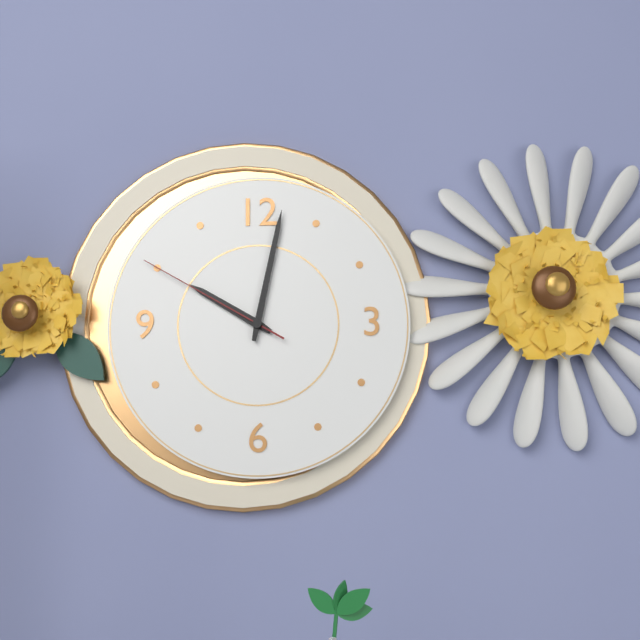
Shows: 10:02:50
